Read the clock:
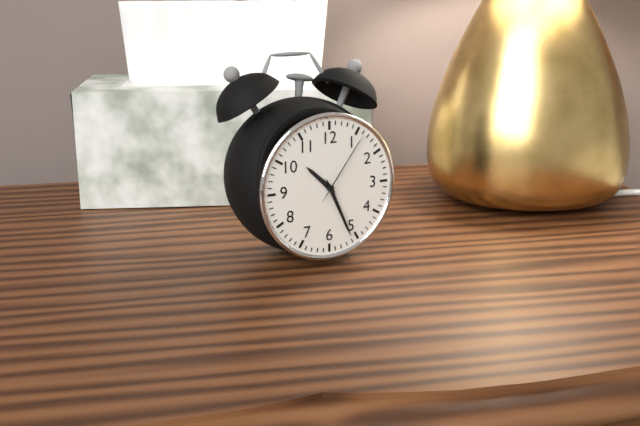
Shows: 10:26:06
